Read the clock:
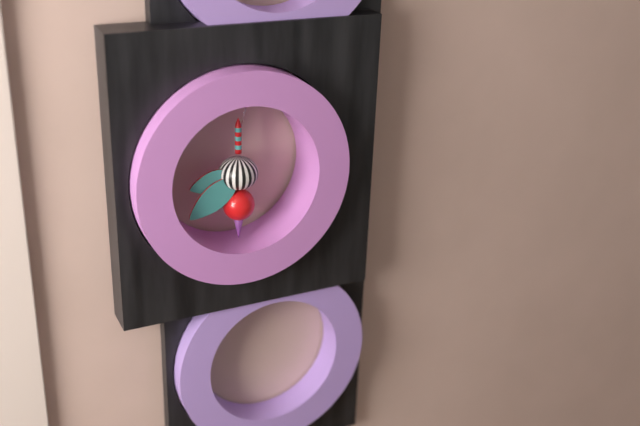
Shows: 8:39
